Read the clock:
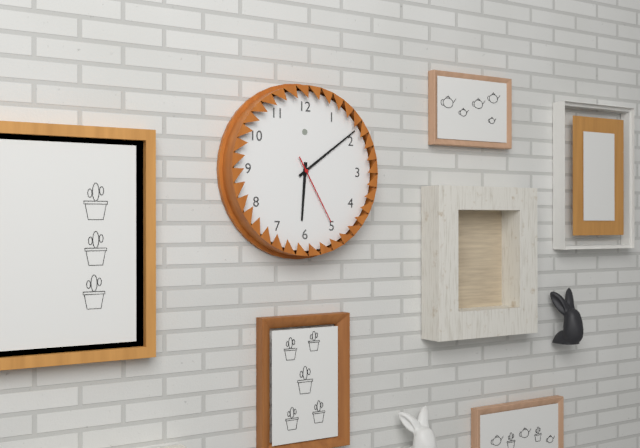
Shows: 6:09:25
